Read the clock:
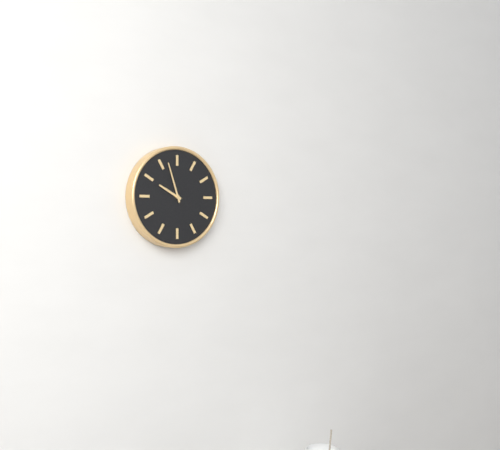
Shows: 9:57
